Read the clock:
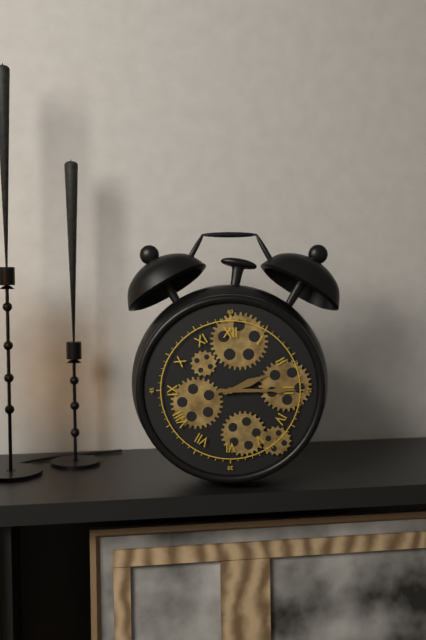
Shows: 2:15
